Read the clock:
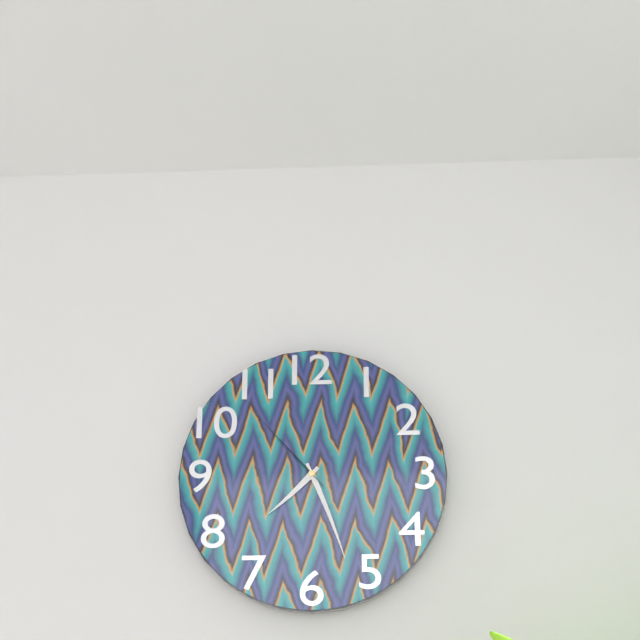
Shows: 7:26:53
